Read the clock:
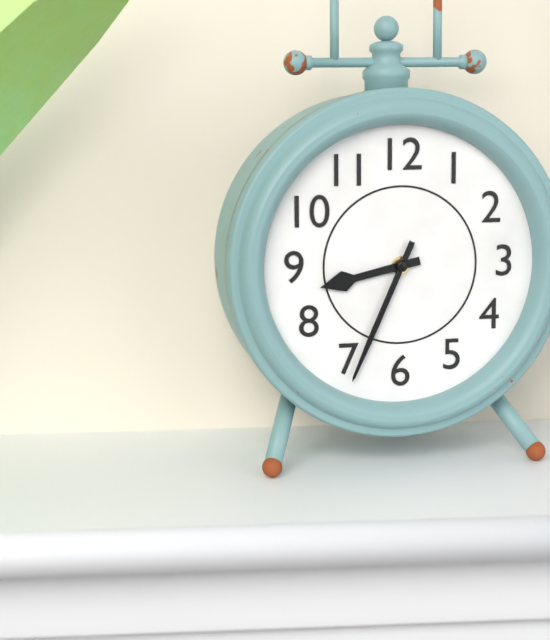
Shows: 8:34
